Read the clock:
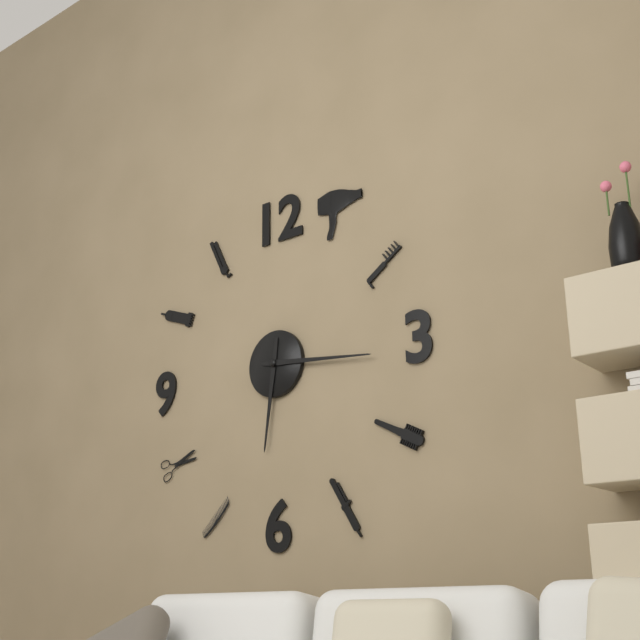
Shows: 6:16
